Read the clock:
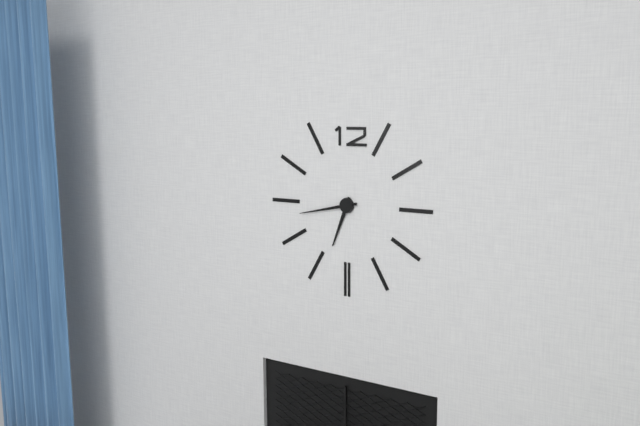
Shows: 6:43
